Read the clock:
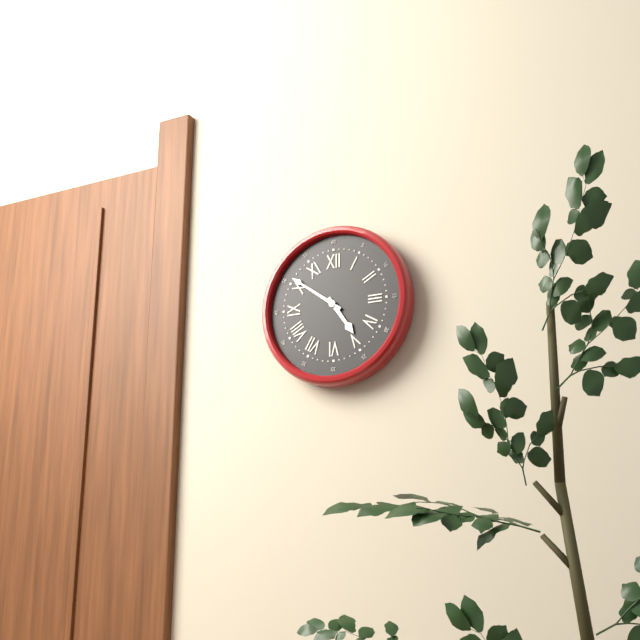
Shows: 4:51
